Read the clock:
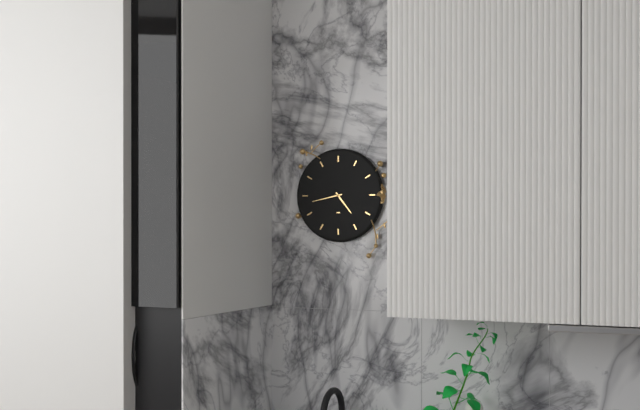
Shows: 4:43
